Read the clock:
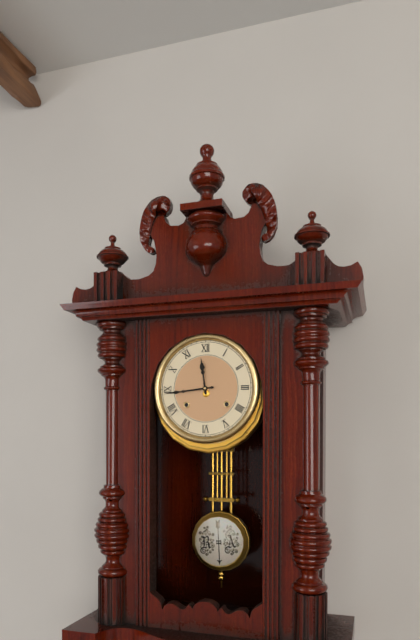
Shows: 11:44
